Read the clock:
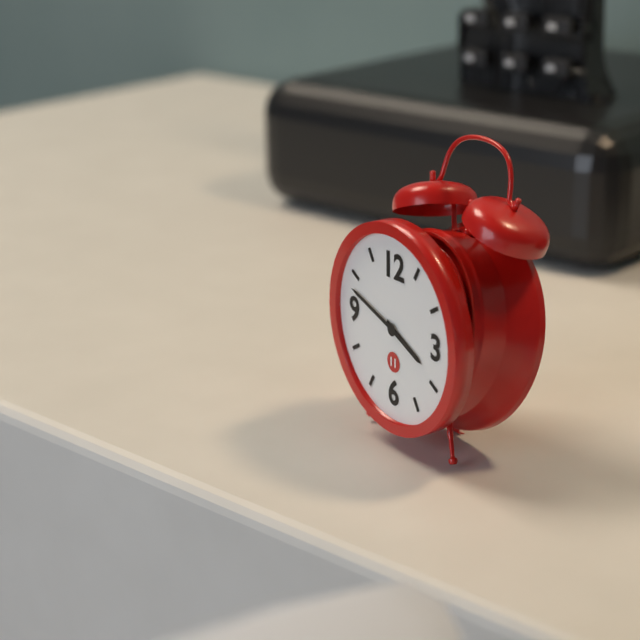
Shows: 3:48
